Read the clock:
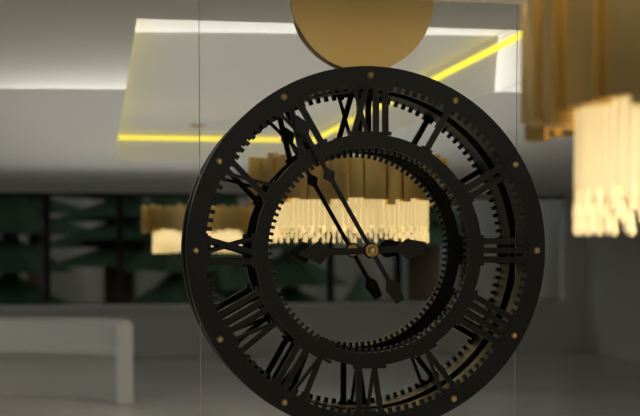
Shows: 8:55
